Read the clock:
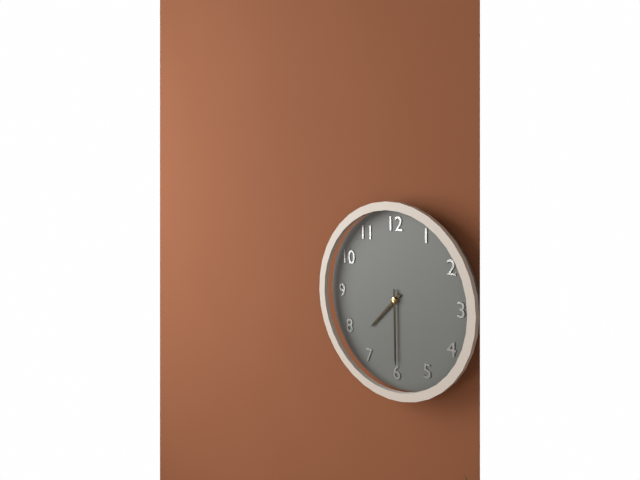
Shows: 7:30
